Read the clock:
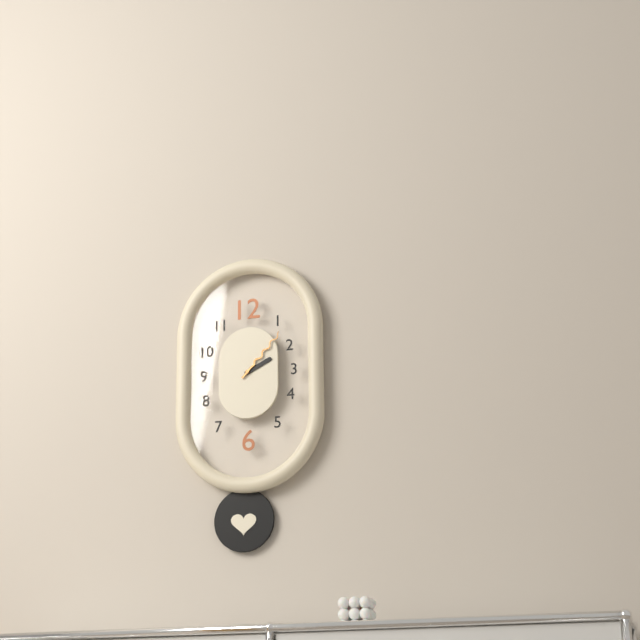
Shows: 2:07
